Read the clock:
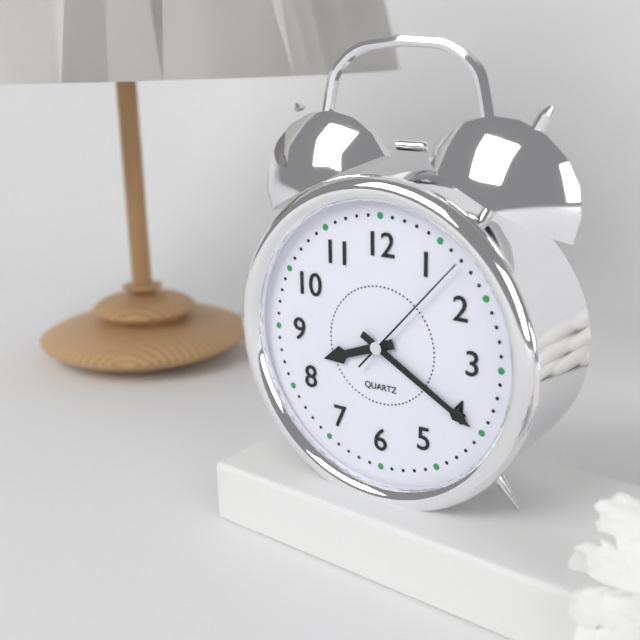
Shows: 8:20:07
